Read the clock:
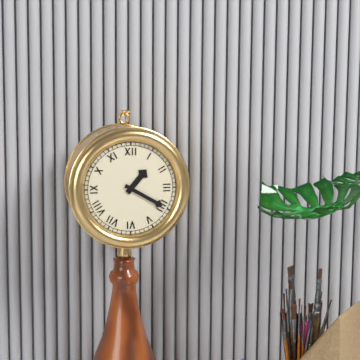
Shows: 1:20
